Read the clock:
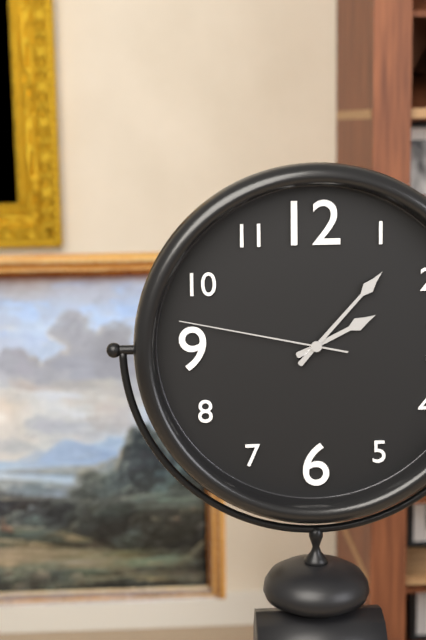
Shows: 2:07:47
